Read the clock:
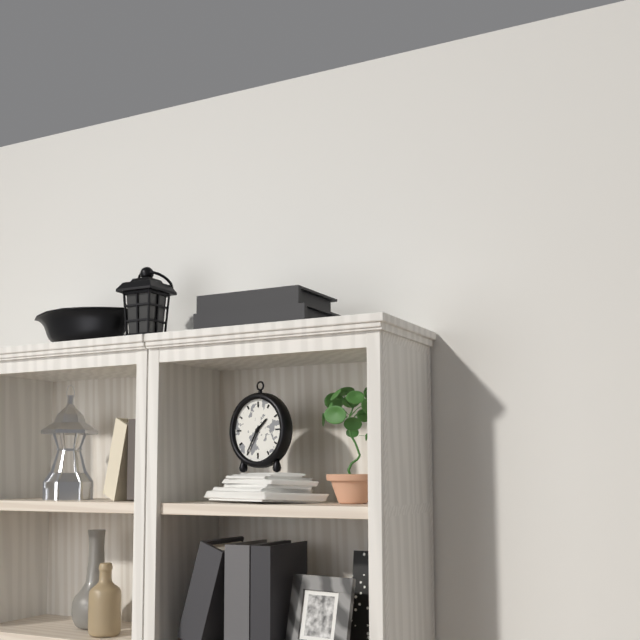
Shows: 1:35
